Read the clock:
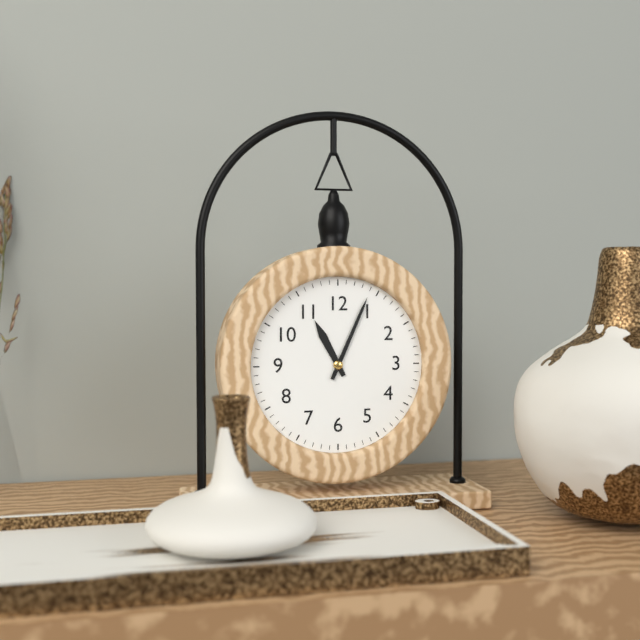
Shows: 11:04
